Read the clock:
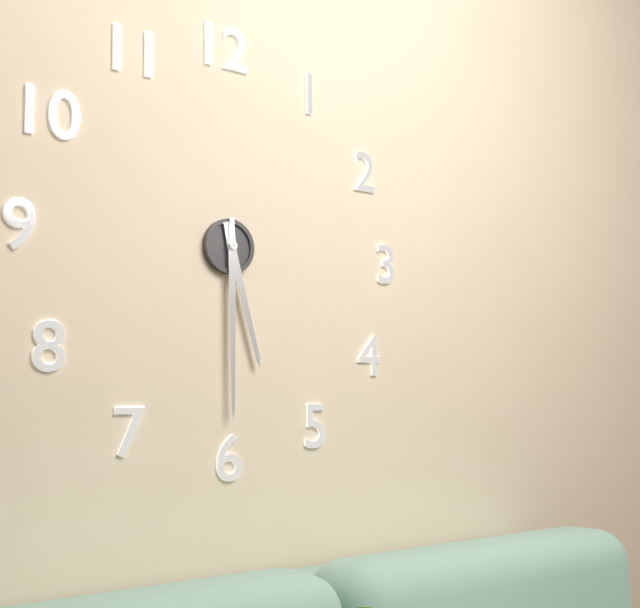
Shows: 5:30
